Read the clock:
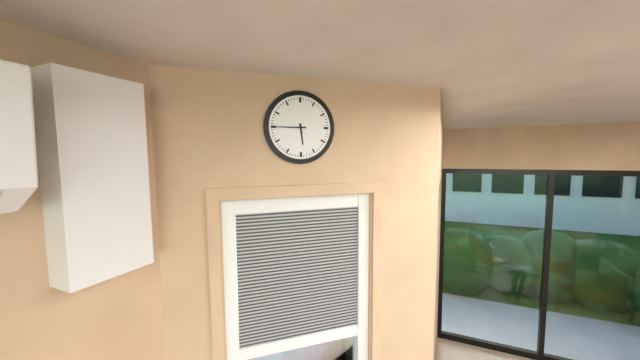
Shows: 5:45
